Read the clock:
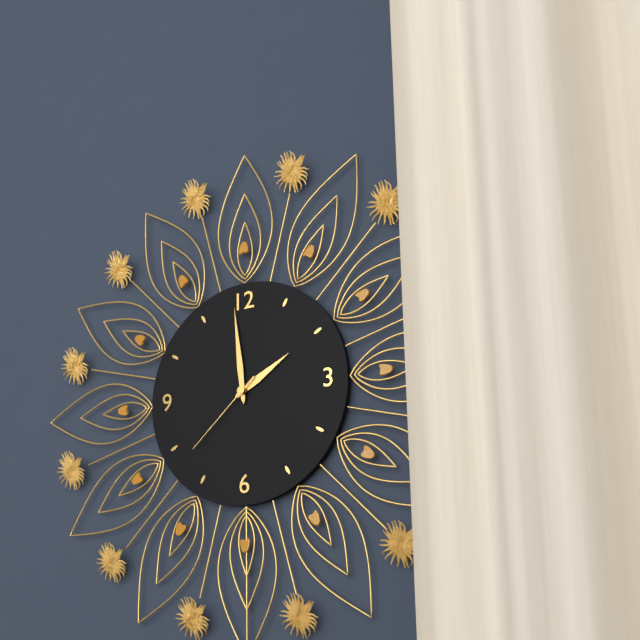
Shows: 1:59:38
